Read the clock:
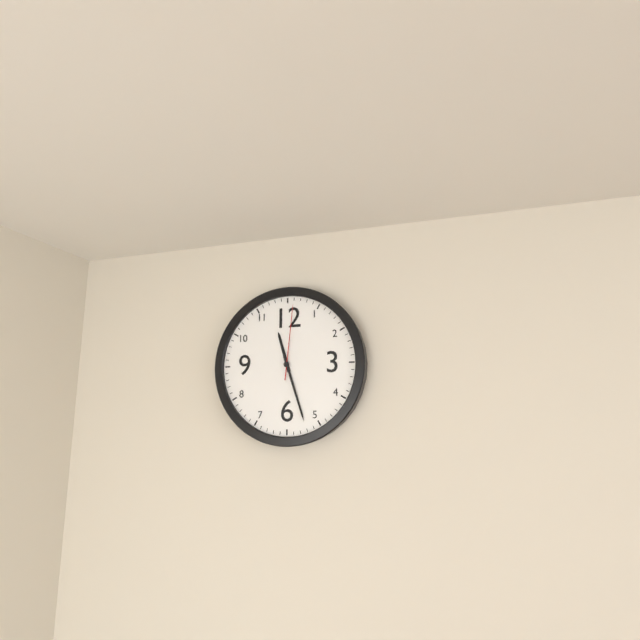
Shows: 11:27:01
